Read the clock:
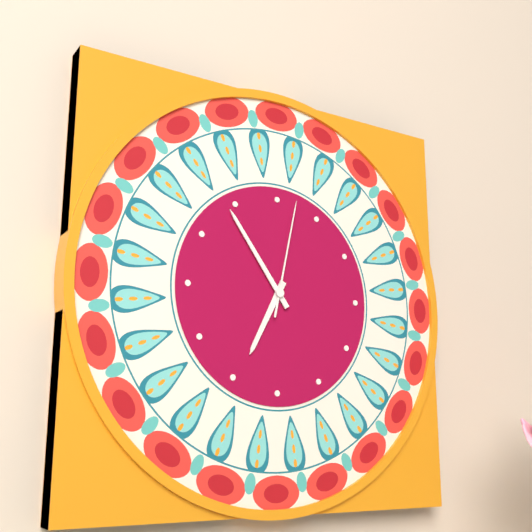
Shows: 6:54:02
